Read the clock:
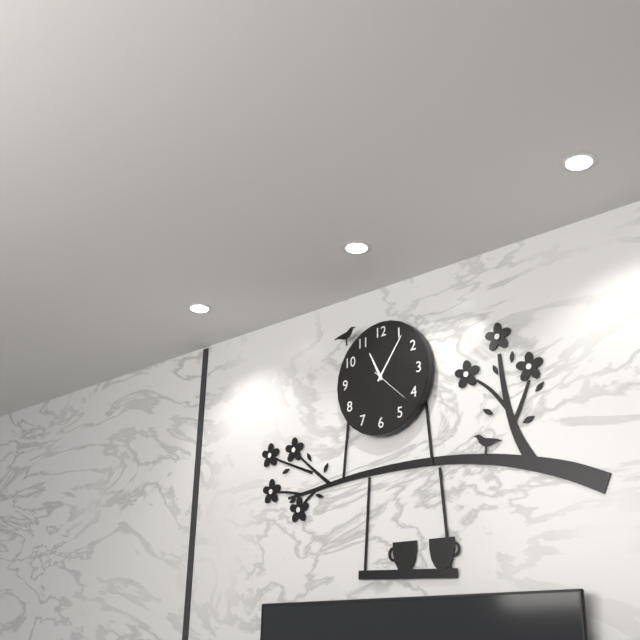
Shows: 11:06
